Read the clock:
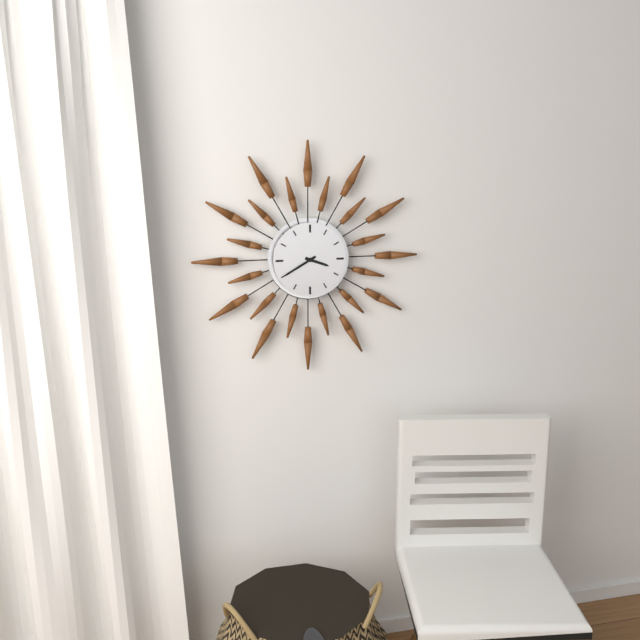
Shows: 3:40
